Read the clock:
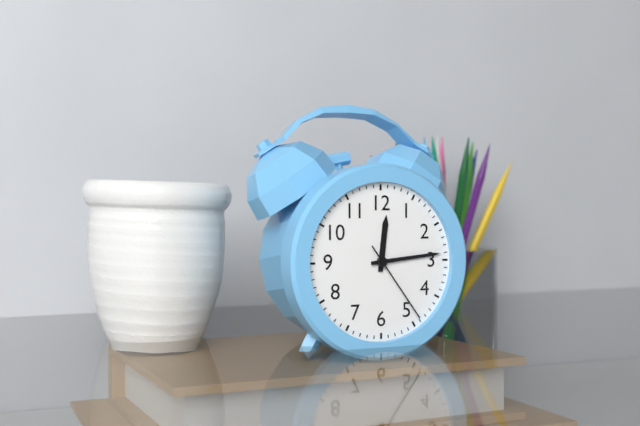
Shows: 12:14:24
